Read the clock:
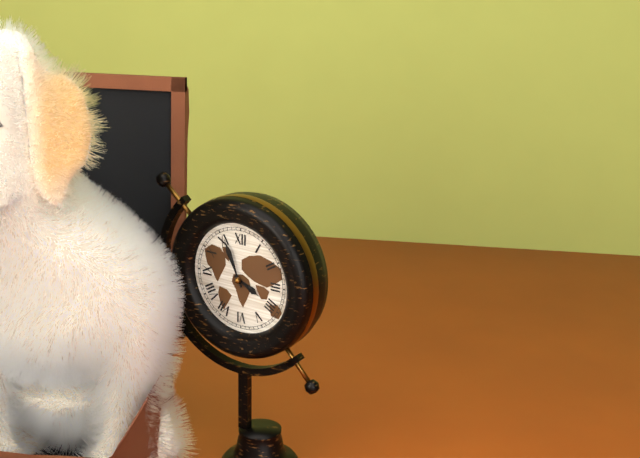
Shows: 3:56
